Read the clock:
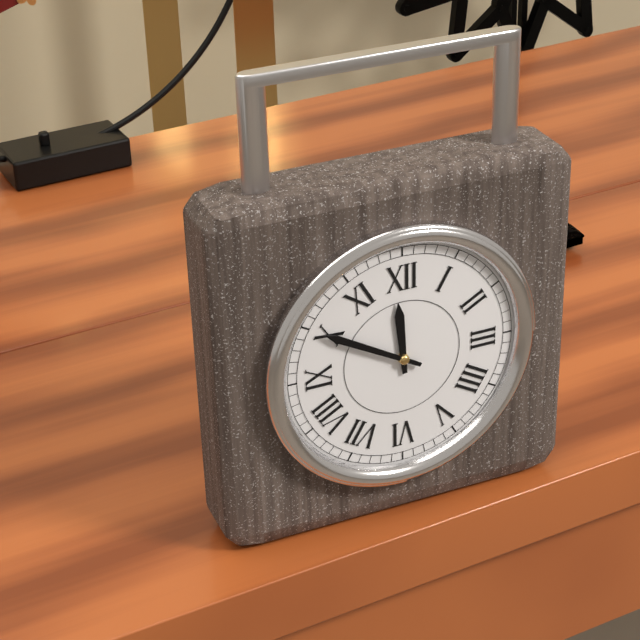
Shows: 11:50
